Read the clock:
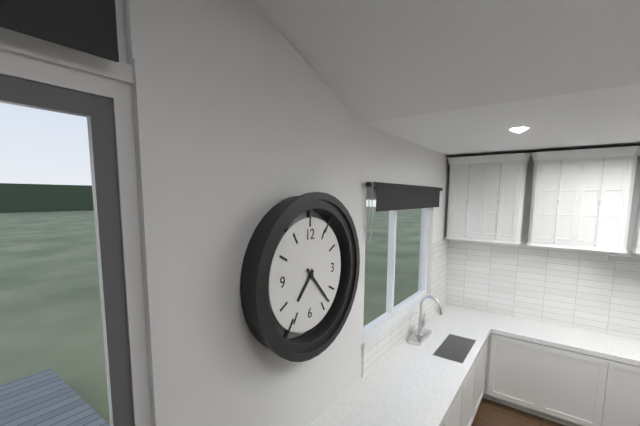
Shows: 7:23
